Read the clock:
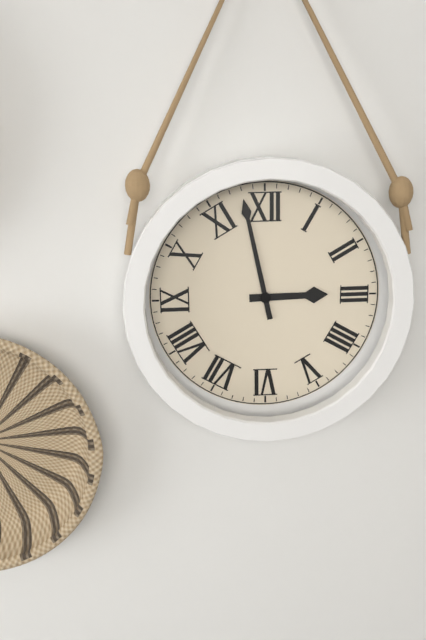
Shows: 2:58
